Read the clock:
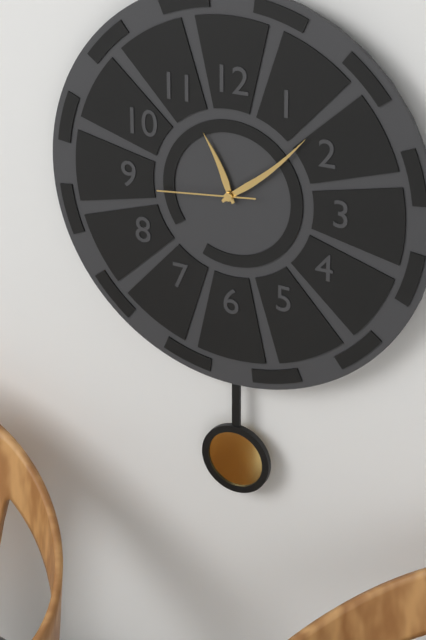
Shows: 11:08:44
